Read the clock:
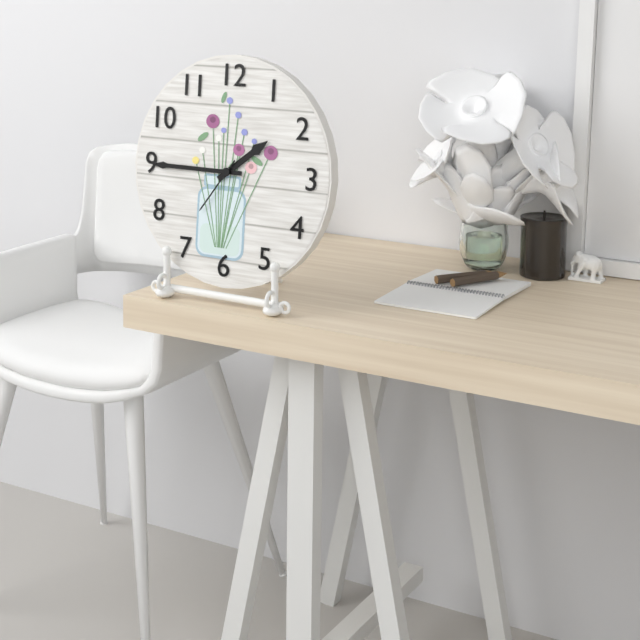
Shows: 1:45:36
